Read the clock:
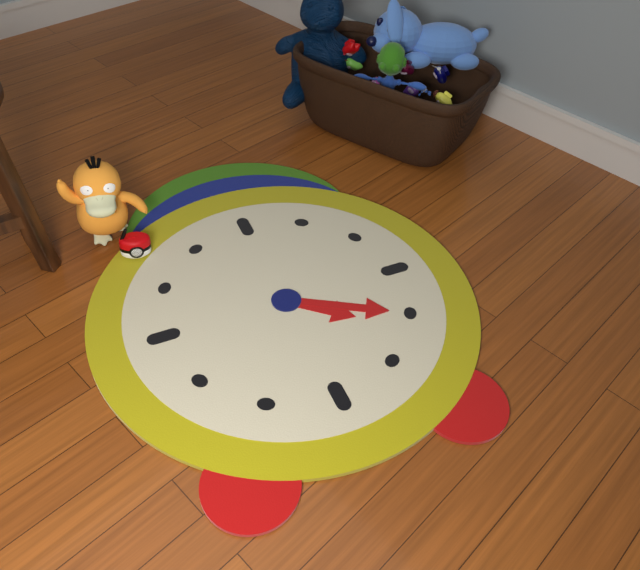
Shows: 4:20
